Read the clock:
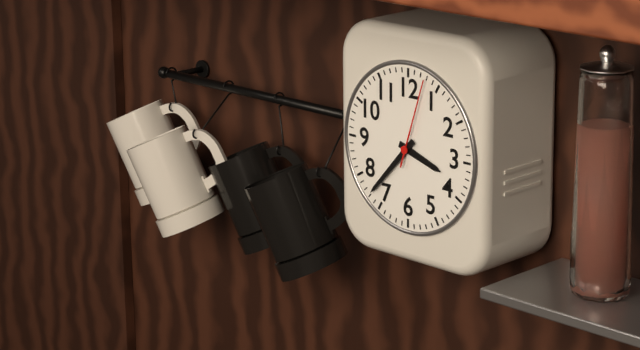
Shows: 3:37:03
